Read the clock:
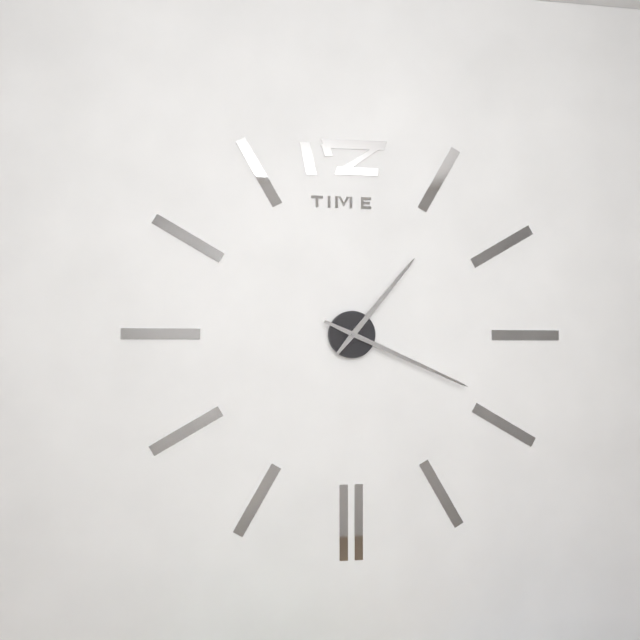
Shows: 1:19
